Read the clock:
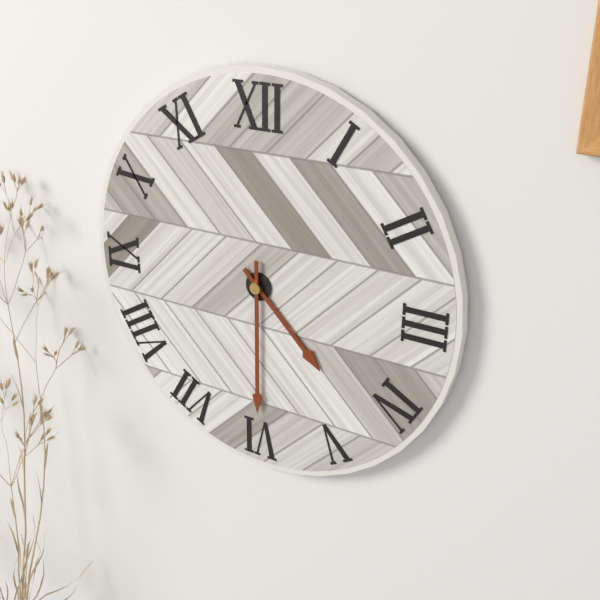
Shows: 4:30
